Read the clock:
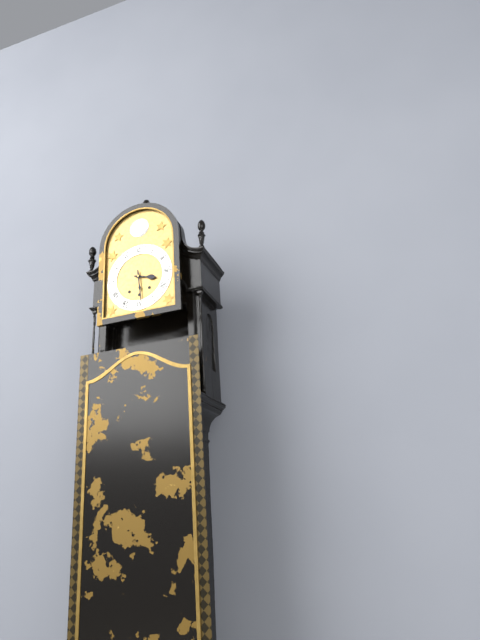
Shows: 3:29
